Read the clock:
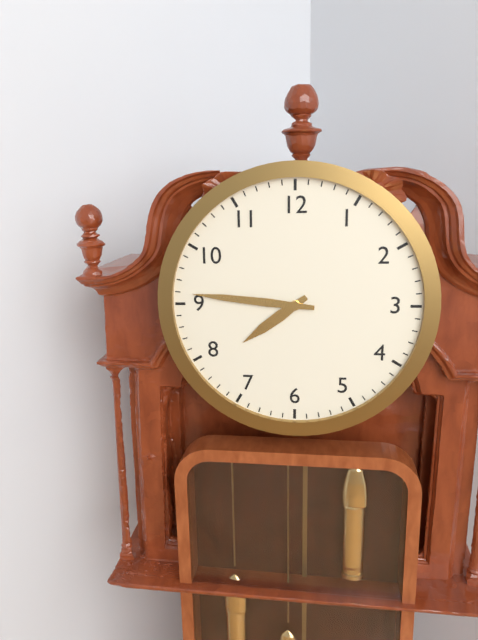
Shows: 7:46
